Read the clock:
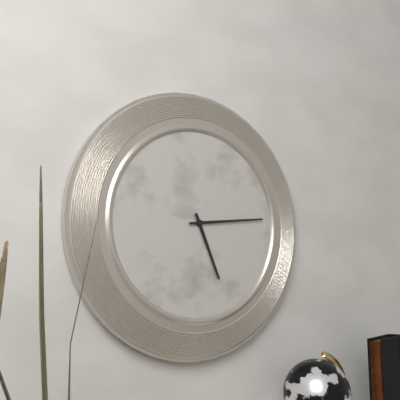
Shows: 5:14
